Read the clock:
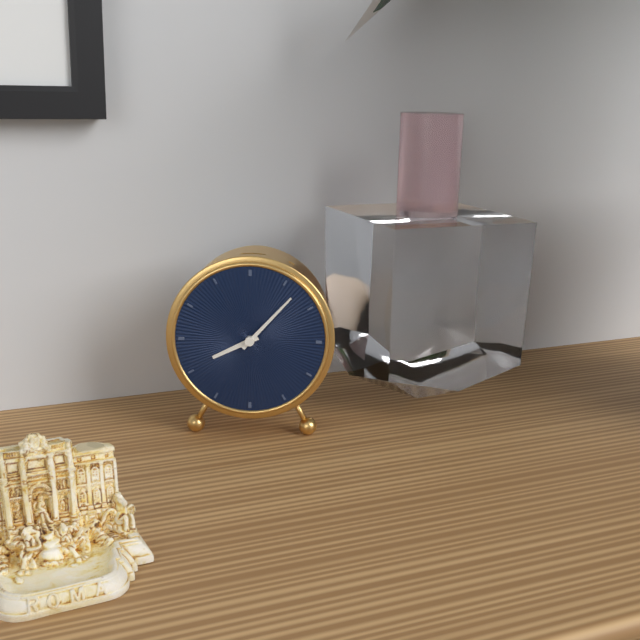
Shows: 8:07
